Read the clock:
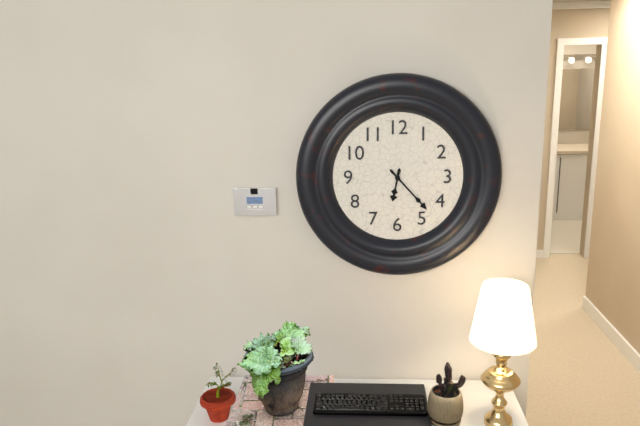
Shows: 6:23
